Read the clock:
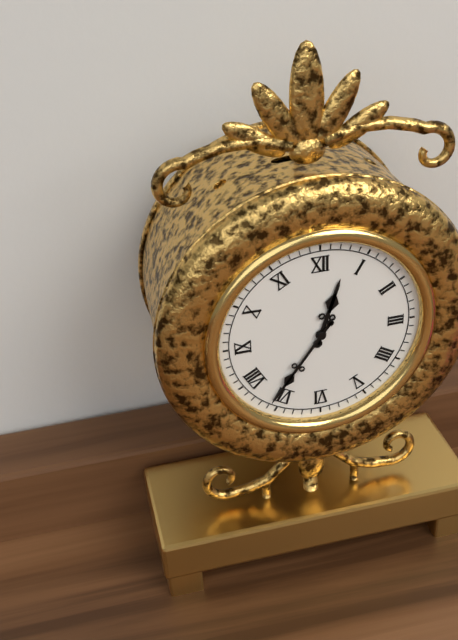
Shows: 12:36
